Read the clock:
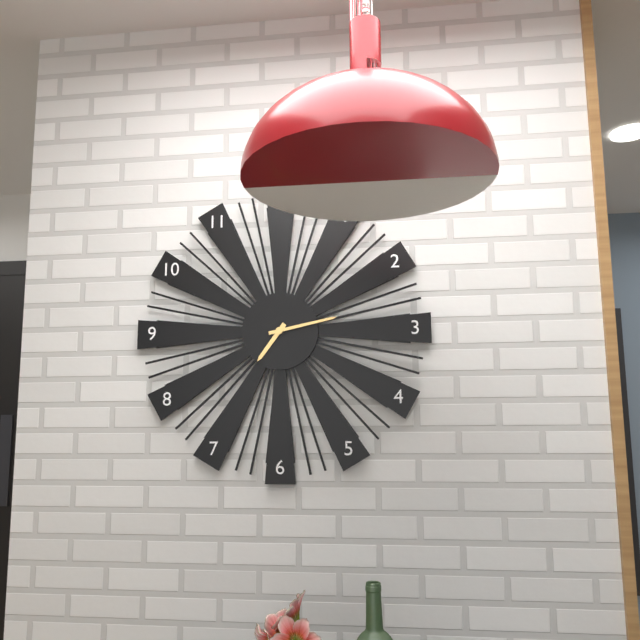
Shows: 7:13
